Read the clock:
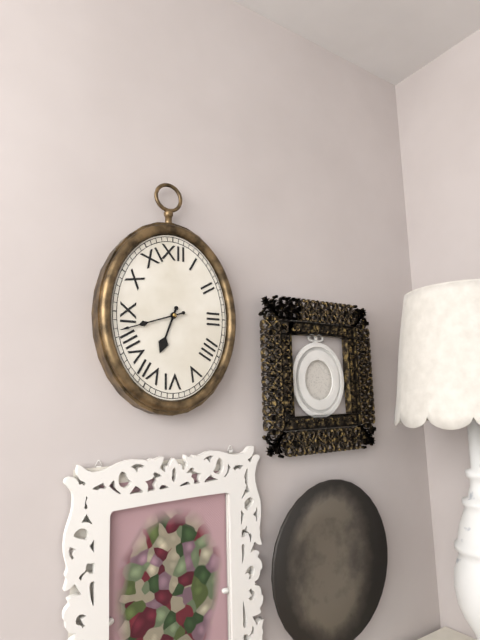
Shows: 6:42
